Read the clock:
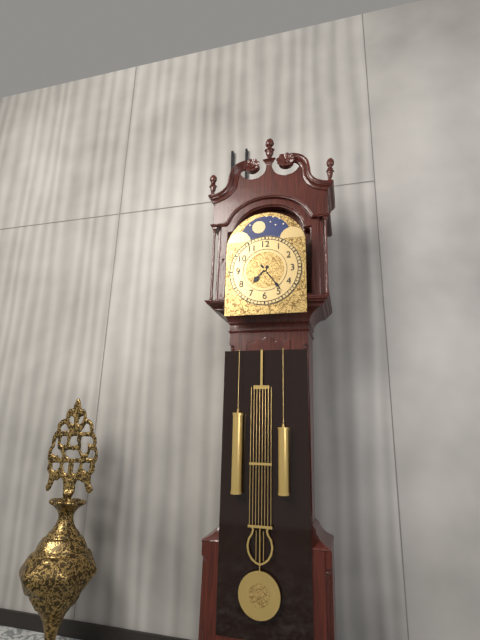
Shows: 7:24
